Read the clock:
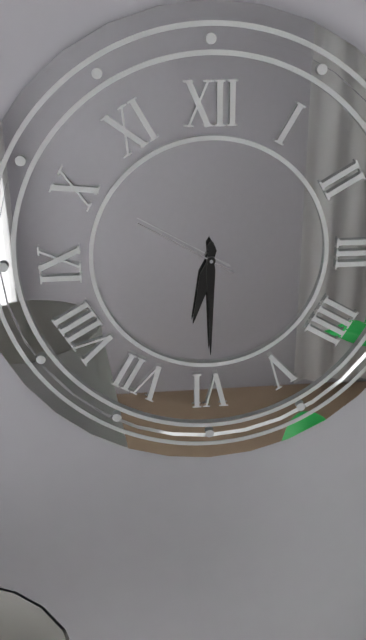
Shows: 6:30:50
